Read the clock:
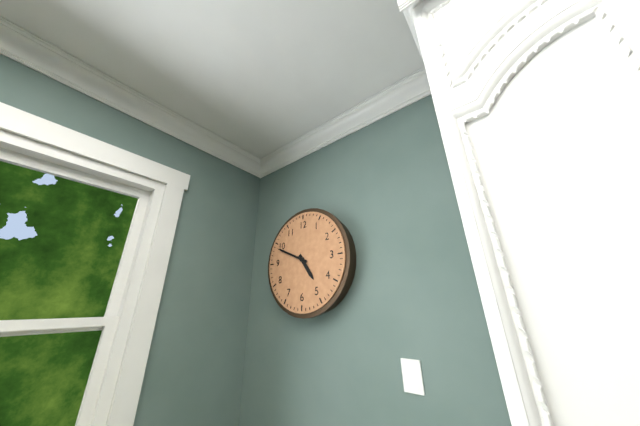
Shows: 4:49
